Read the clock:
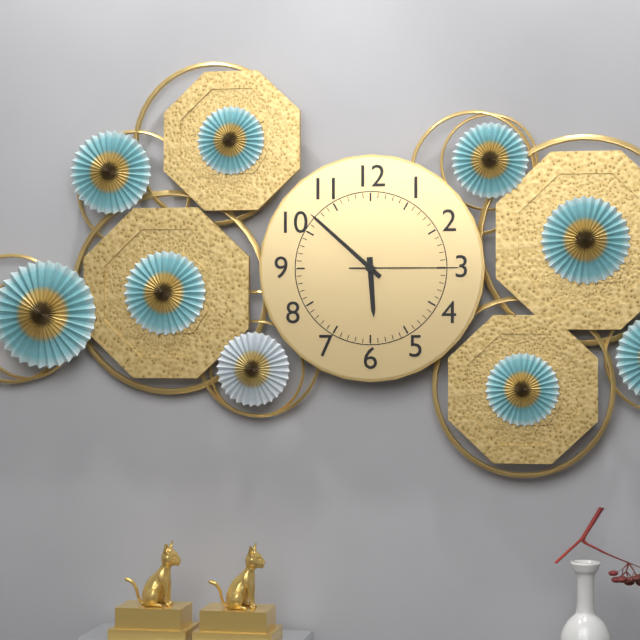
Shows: 5:52:15
